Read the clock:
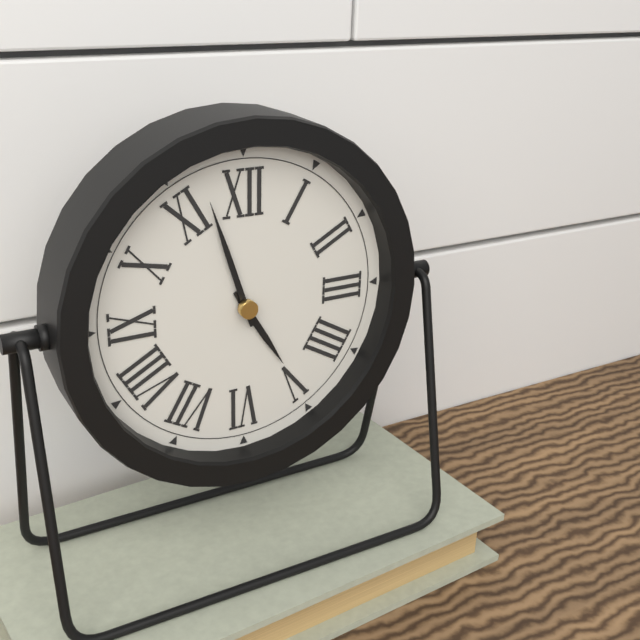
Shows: 4:57
